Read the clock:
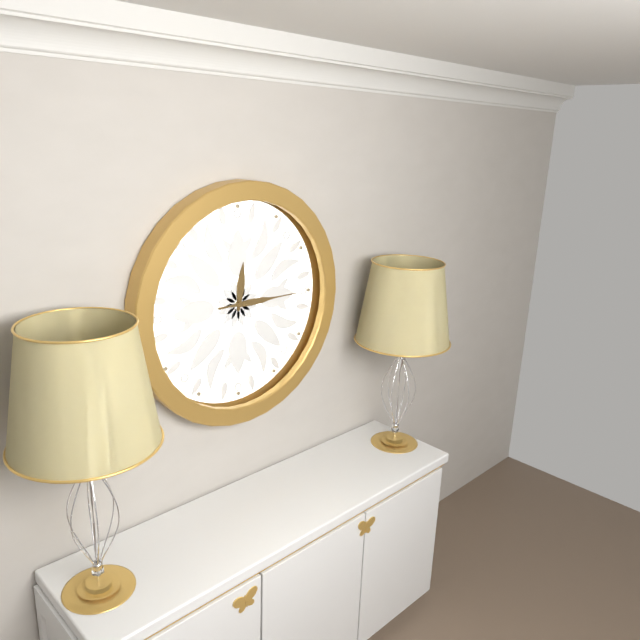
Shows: 12:15
